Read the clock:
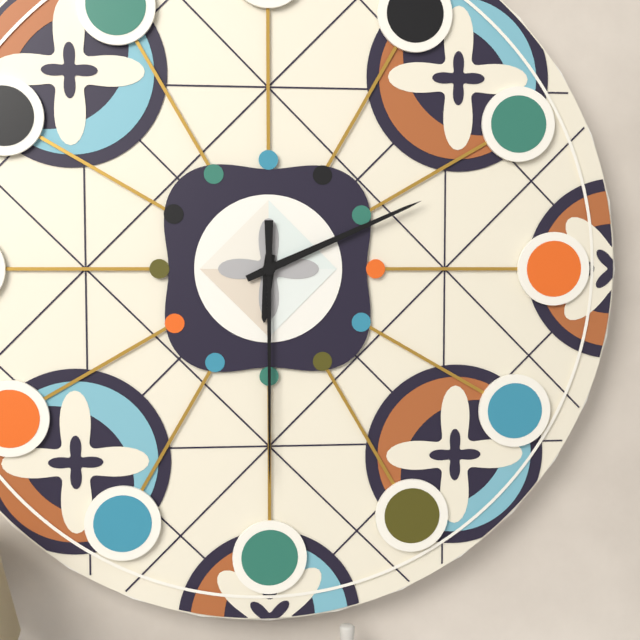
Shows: 6:11:30
